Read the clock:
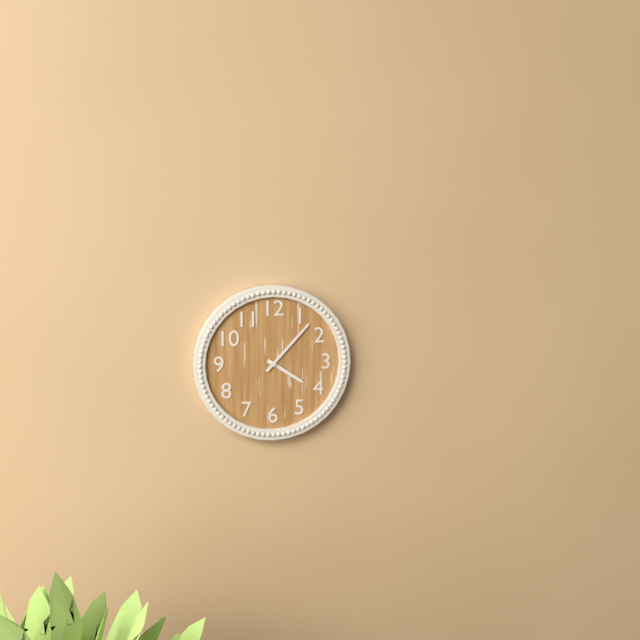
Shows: 4:07
